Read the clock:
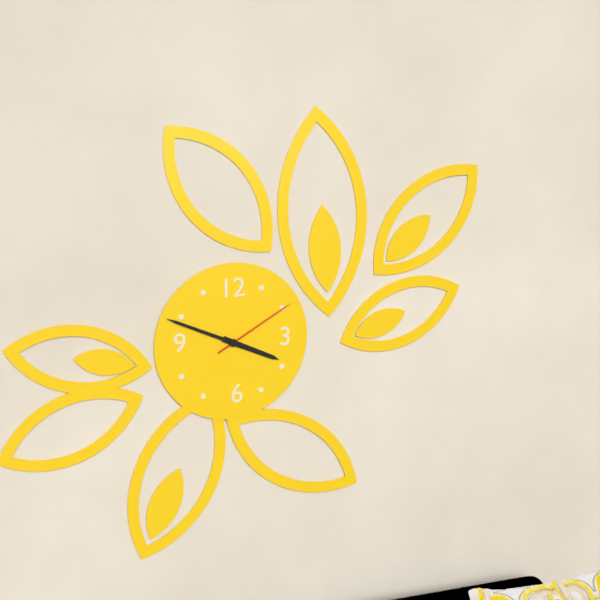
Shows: 3:49:10
